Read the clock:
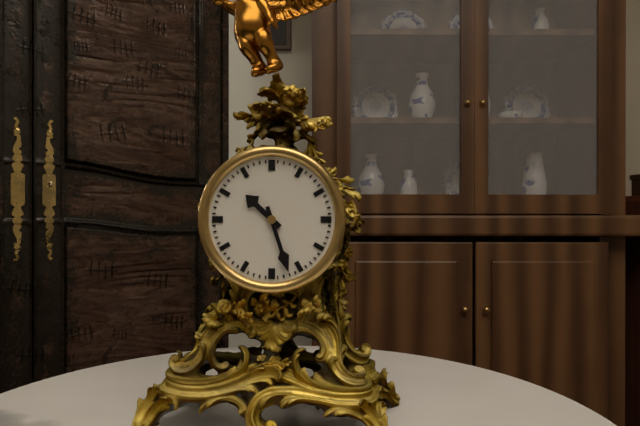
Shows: 10:27
